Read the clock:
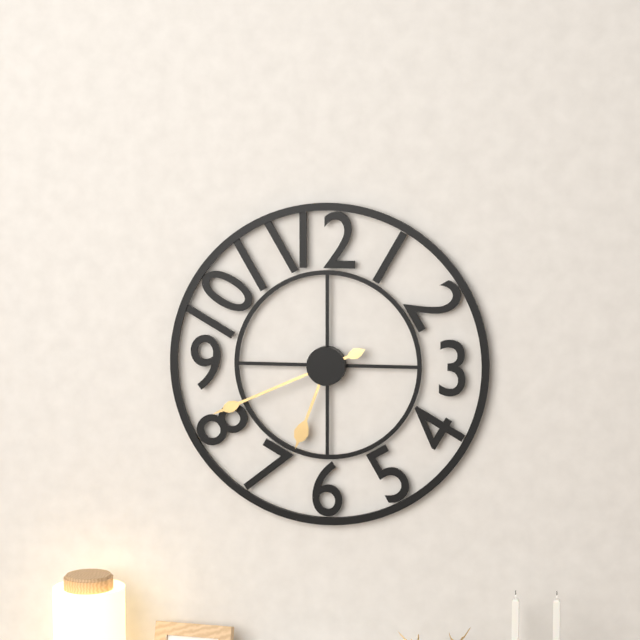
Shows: 6:41
